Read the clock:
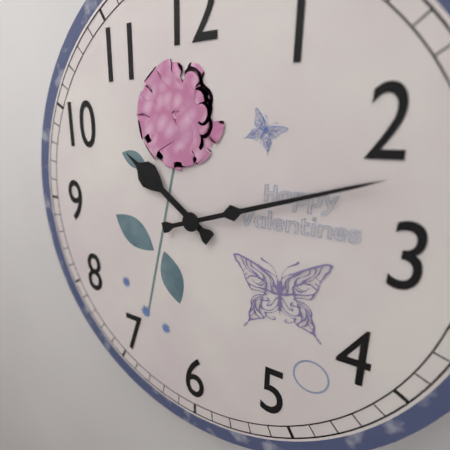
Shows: 10:12
